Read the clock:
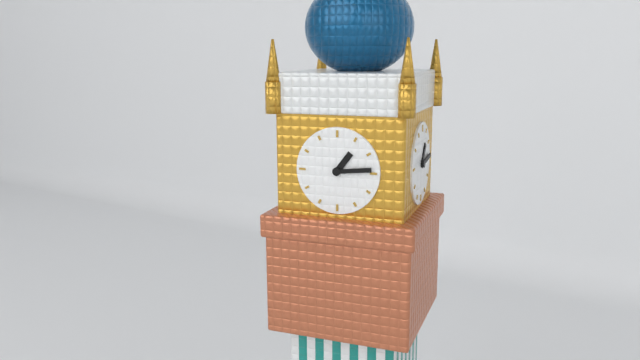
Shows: 1:14
